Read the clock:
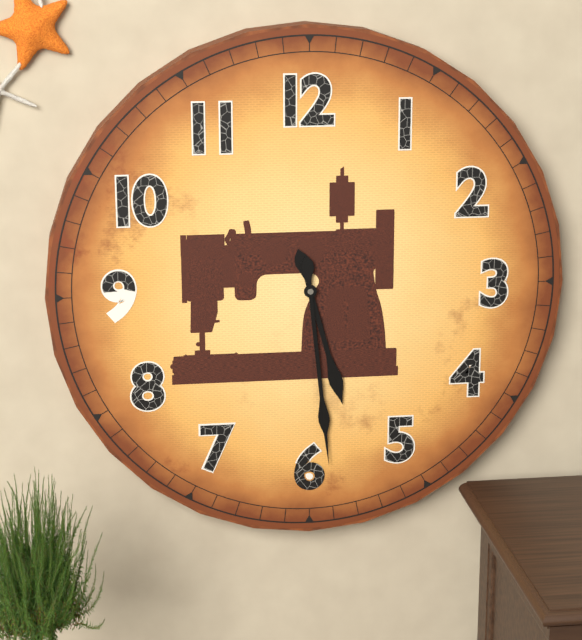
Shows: 5:29
